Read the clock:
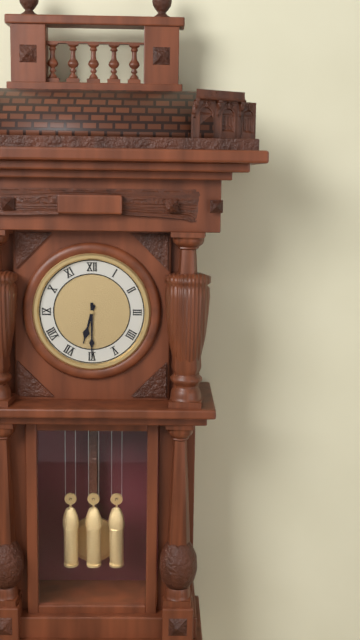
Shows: 6:30
